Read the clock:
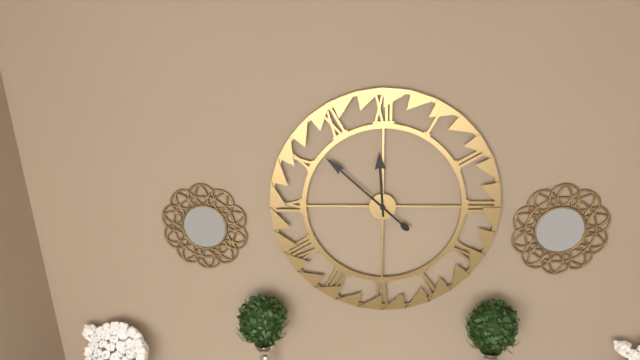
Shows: 11:52
